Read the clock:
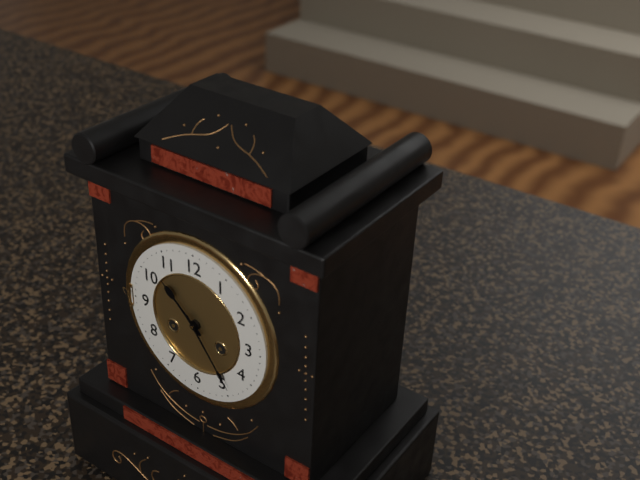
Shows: 10:24
